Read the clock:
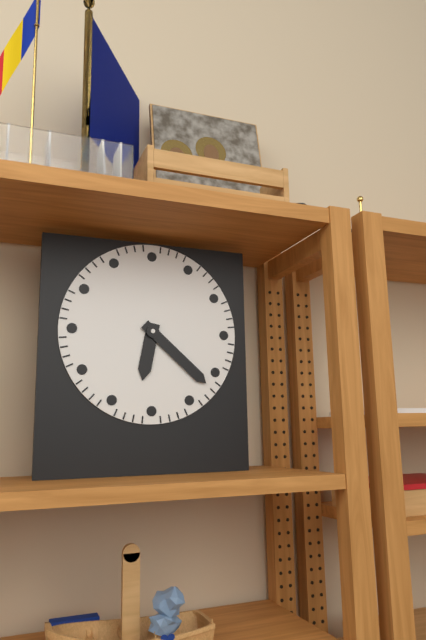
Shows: 6:22
